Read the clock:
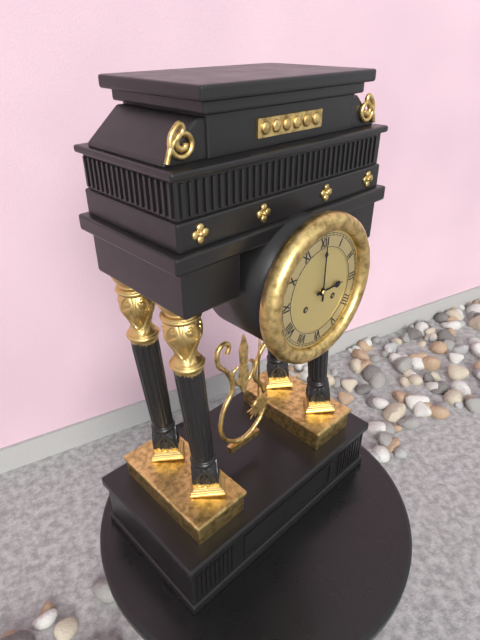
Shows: 3:00
